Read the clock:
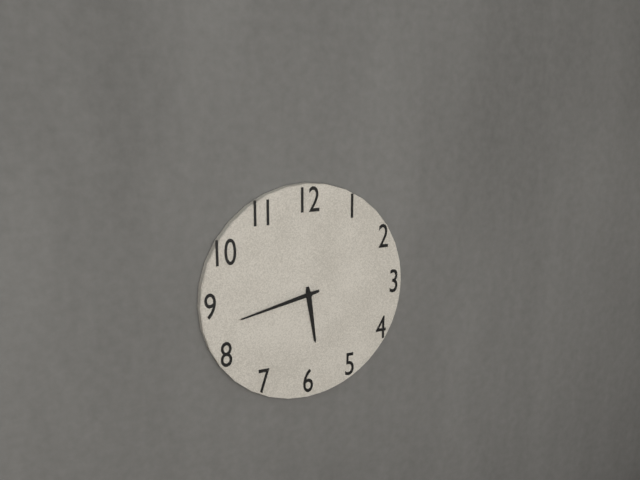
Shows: 5:43
